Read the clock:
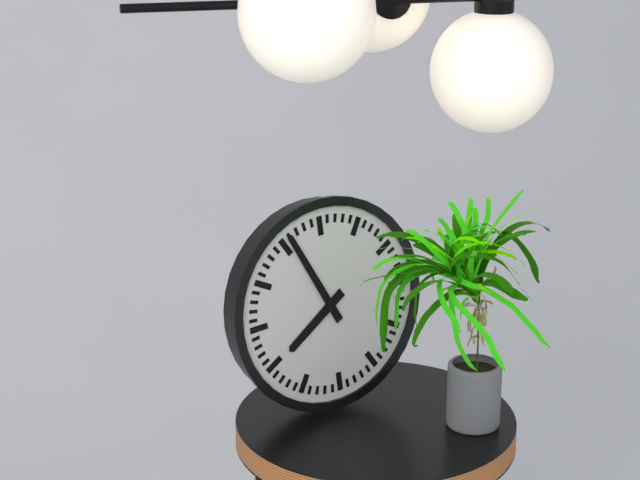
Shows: 7:56
